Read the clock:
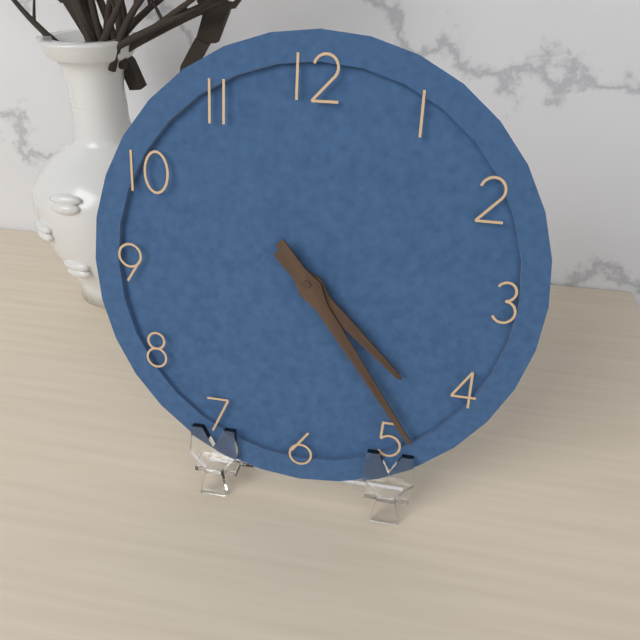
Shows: 4:24
